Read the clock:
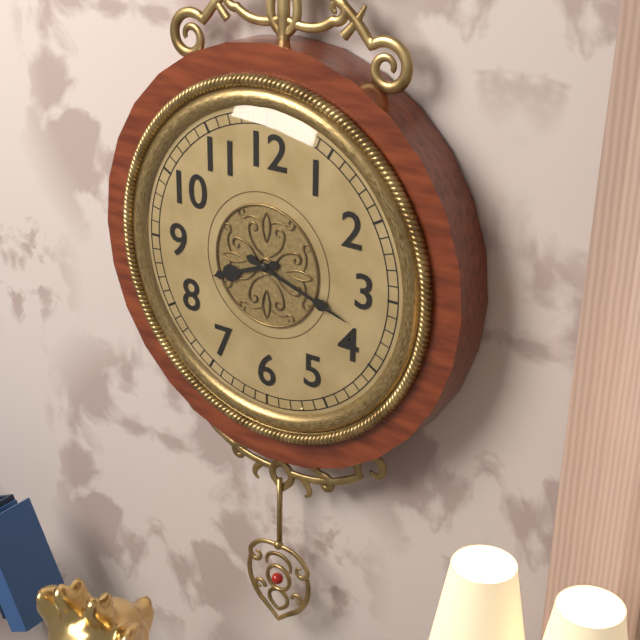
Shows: 8:18
